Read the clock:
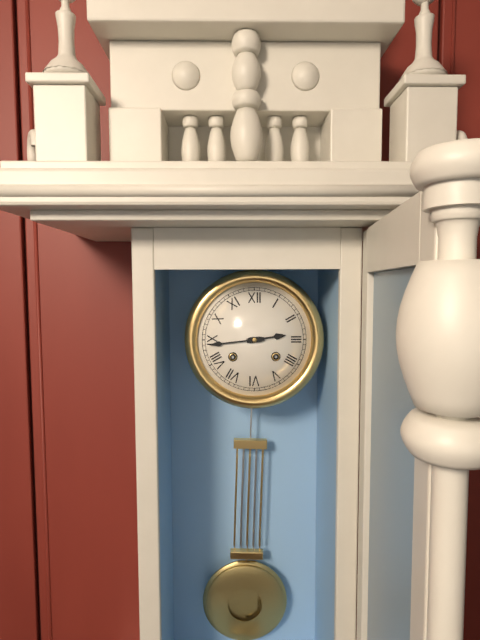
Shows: 2:44
